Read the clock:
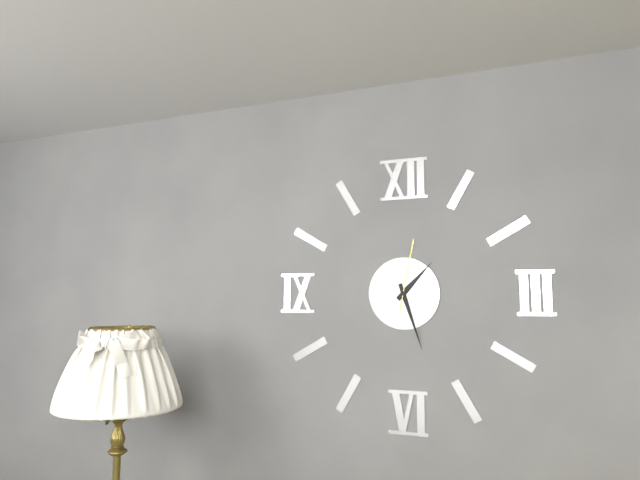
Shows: 1:27:02
